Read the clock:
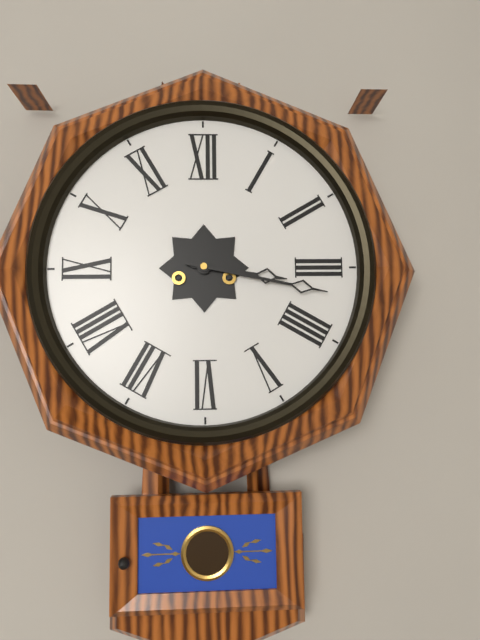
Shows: 3:17
